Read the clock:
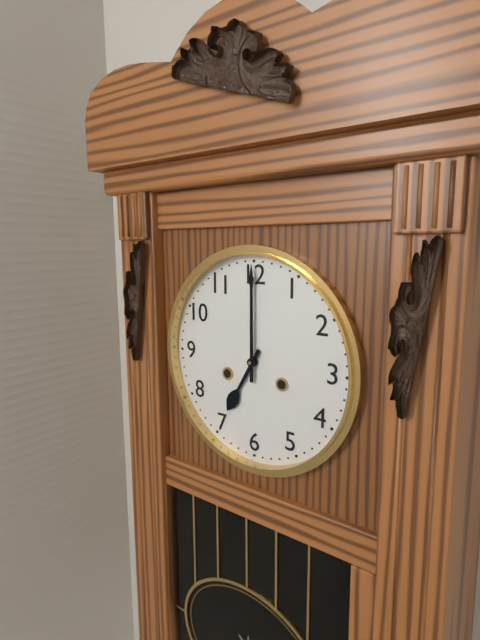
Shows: 7:00
